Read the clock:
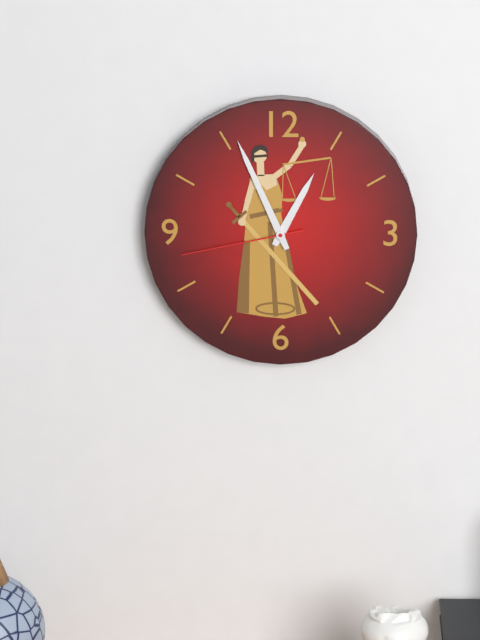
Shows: 12:56:43
